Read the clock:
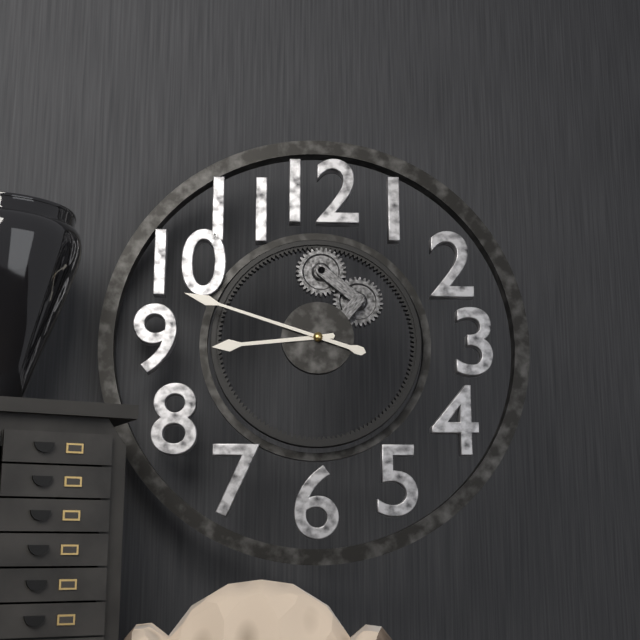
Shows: 8:48
